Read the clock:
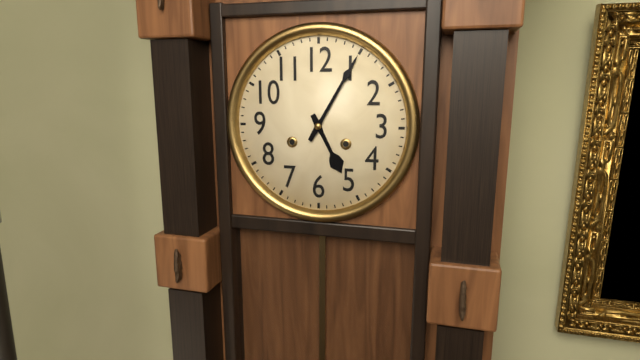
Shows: 5:05
